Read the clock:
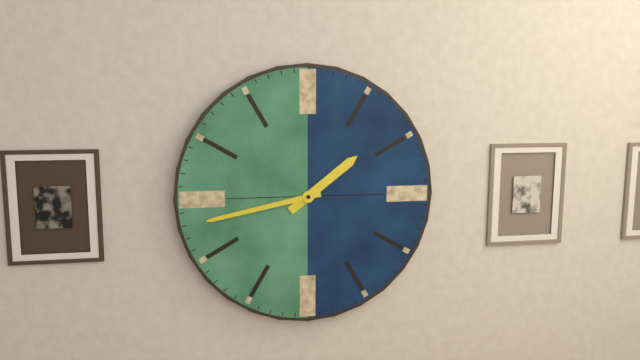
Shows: 1:43
